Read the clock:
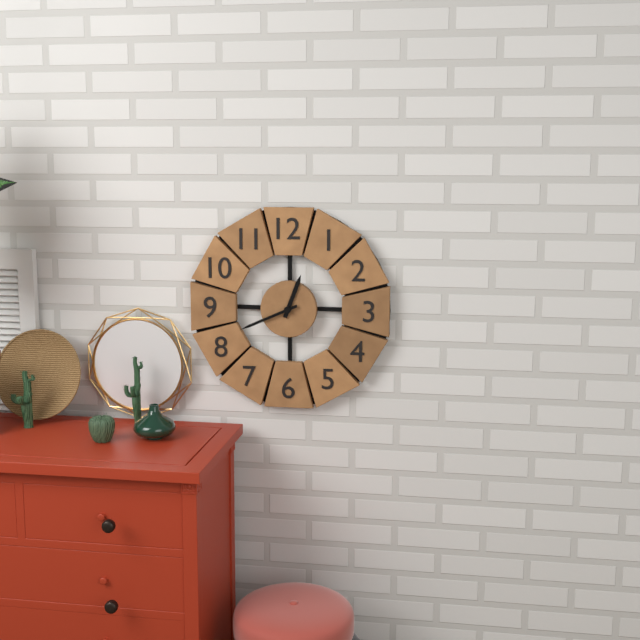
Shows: 12:41
